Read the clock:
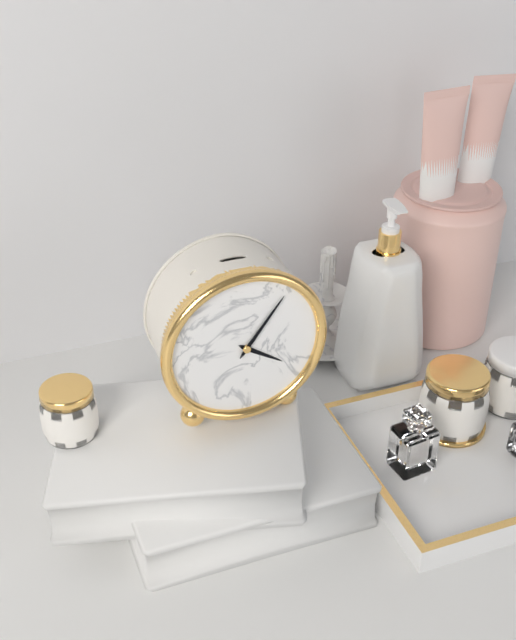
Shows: 4:06
